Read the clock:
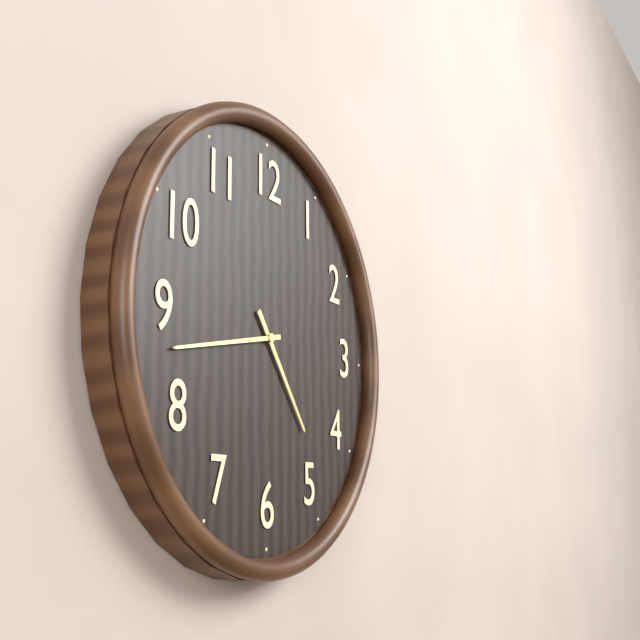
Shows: 4:43
